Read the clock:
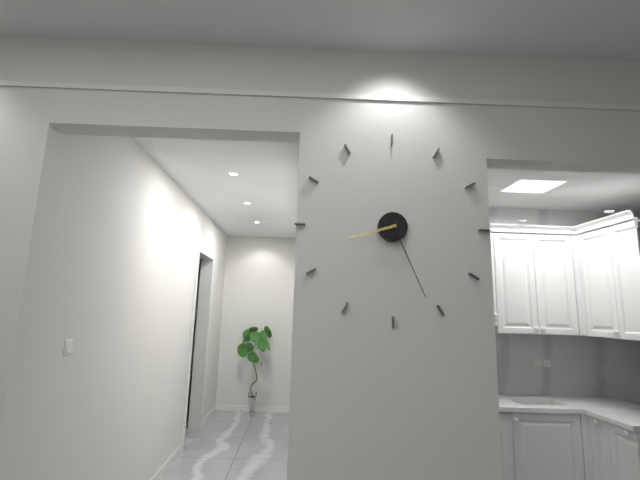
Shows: 8:26
